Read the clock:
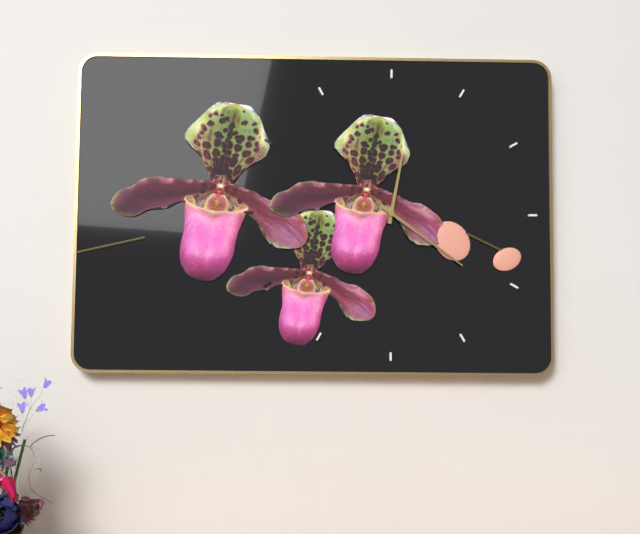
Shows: 12:21
